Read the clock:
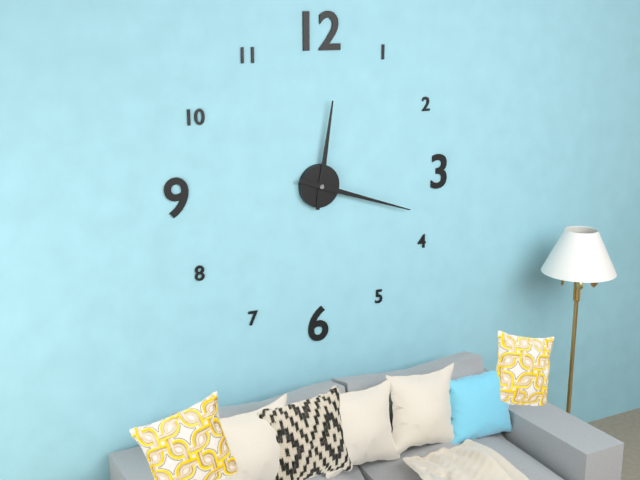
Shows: 12:18
